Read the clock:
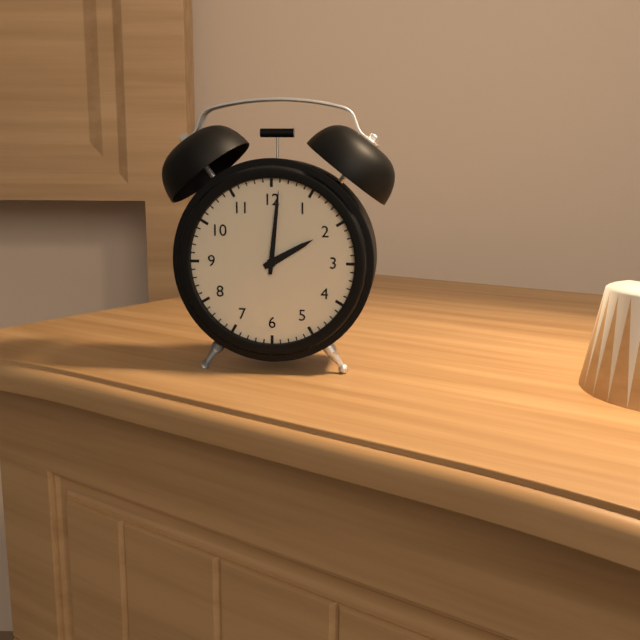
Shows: 2:01
